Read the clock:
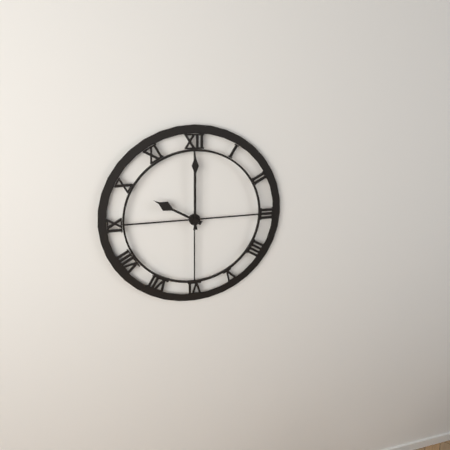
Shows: 10:00
